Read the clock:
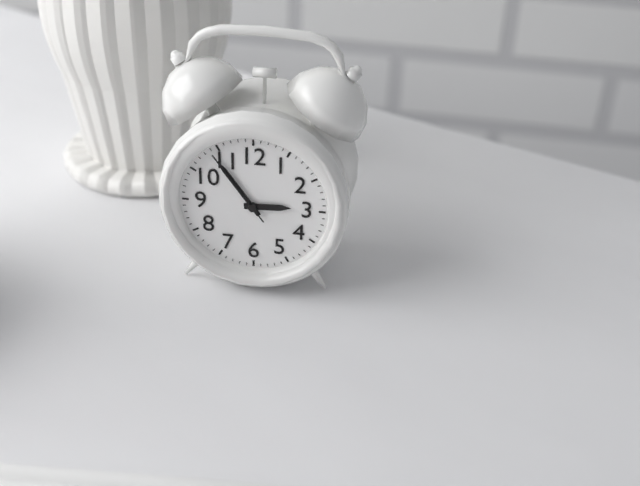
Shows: 2:54:54
